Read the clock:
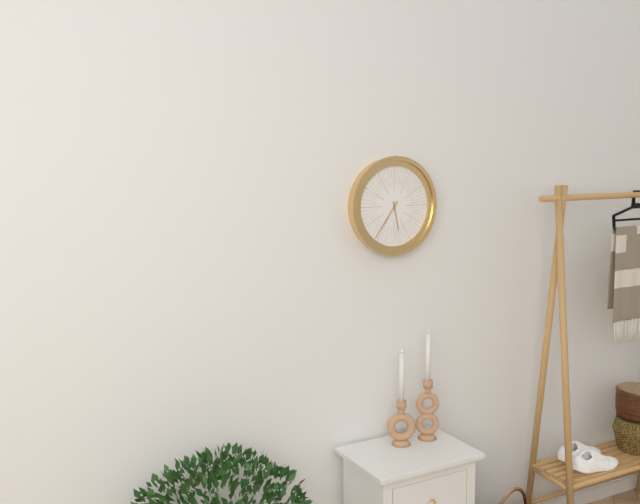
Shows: 5:36
